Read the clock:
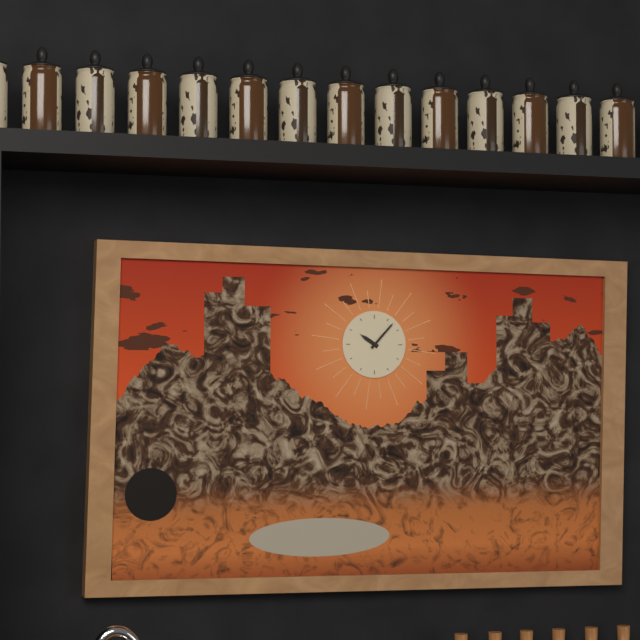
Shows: 10:07
